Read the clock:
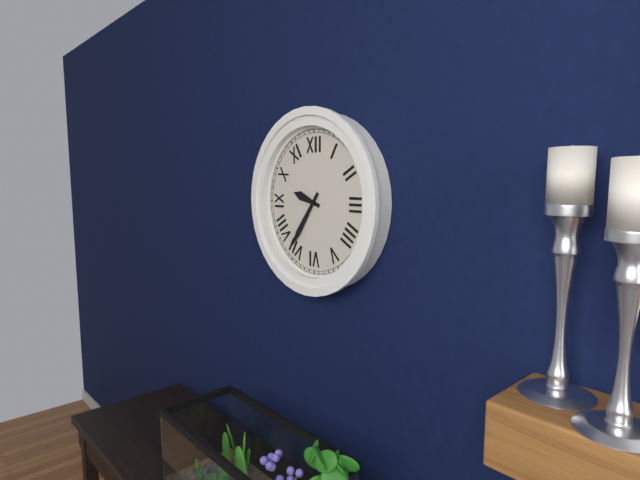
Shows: 9:36
